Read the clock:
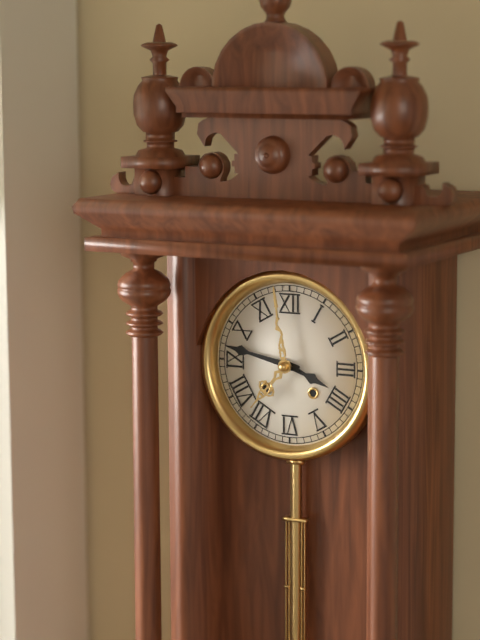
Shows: 3:47
